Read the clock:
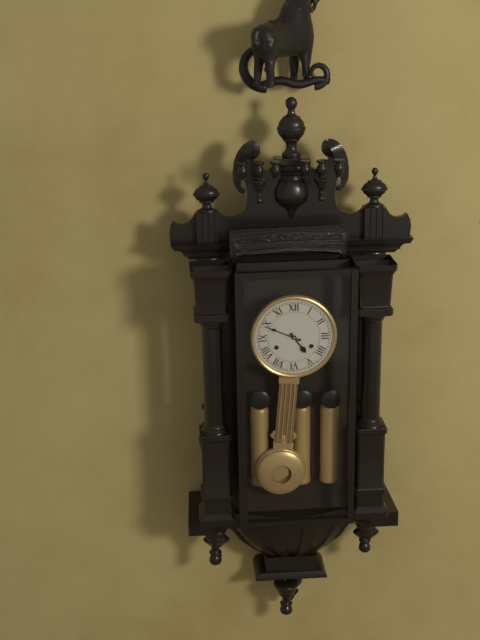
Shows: 4:49
